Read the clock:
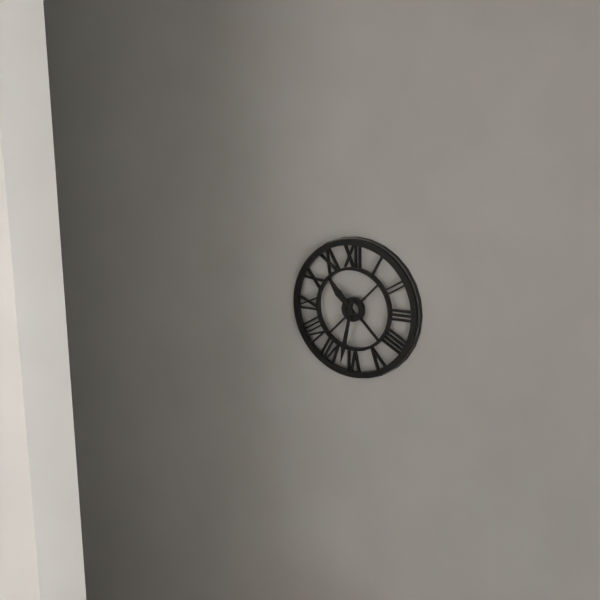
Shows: 10:32
